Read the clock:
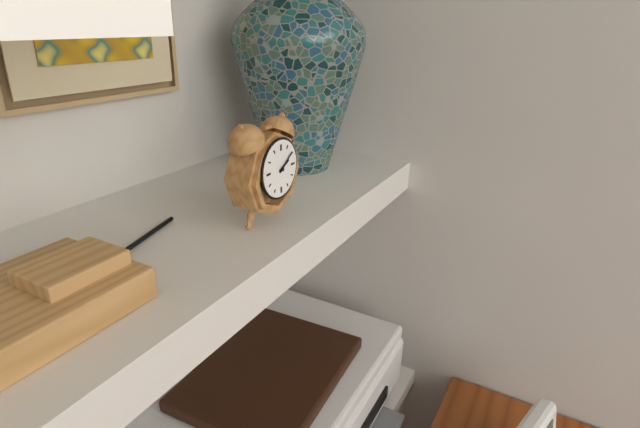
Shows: 2:09
